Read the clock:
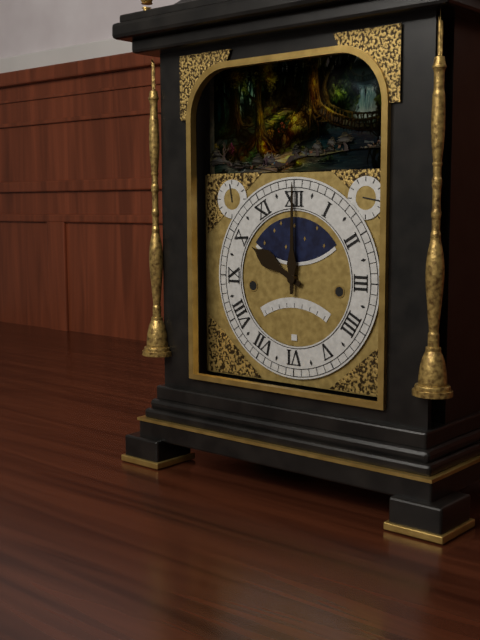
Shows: 10:00
